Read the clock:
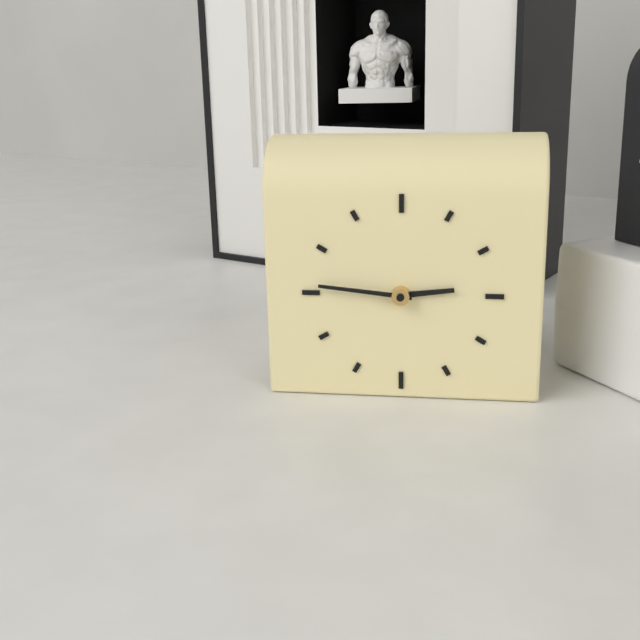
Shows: 2:46
